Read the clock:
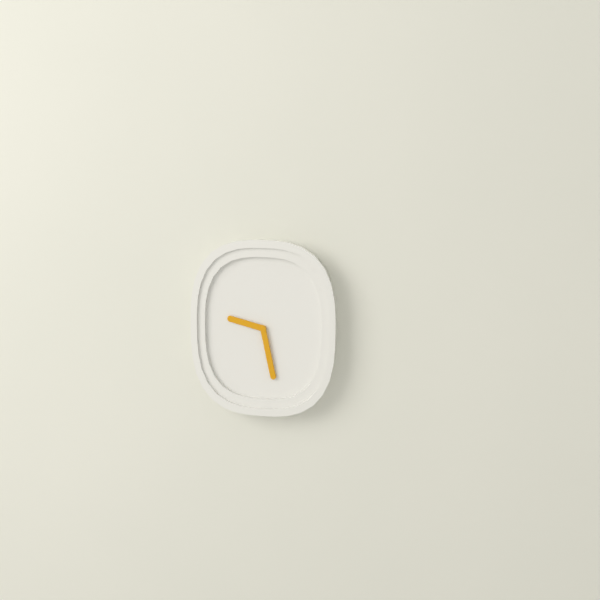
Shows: 9:28
